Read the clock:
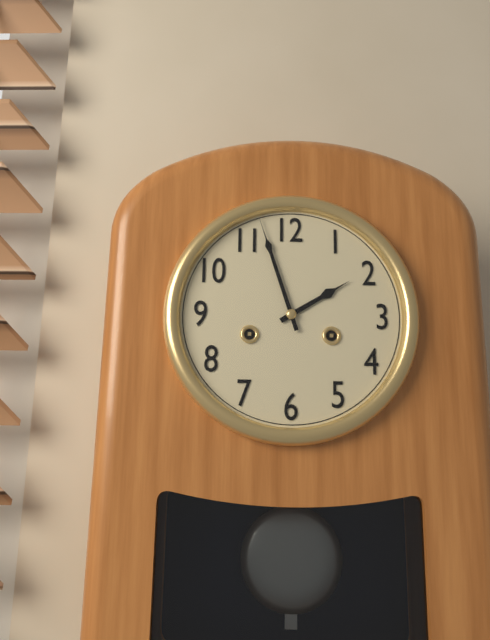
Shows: 1:57
